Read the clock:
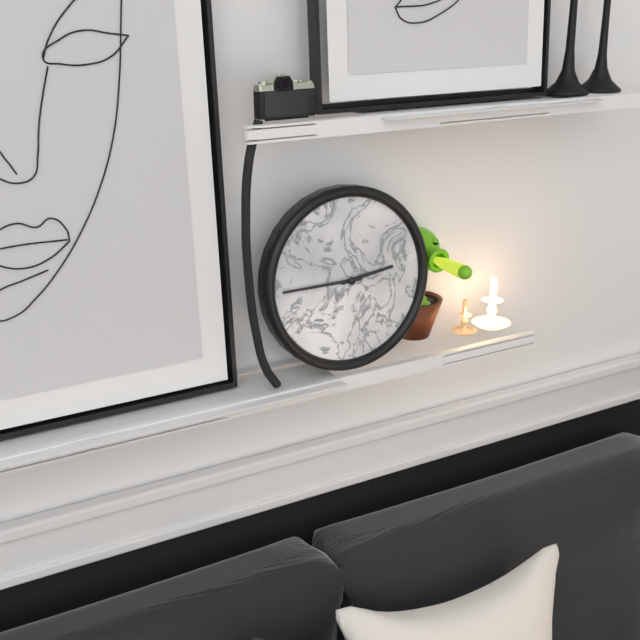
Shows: 2:45
